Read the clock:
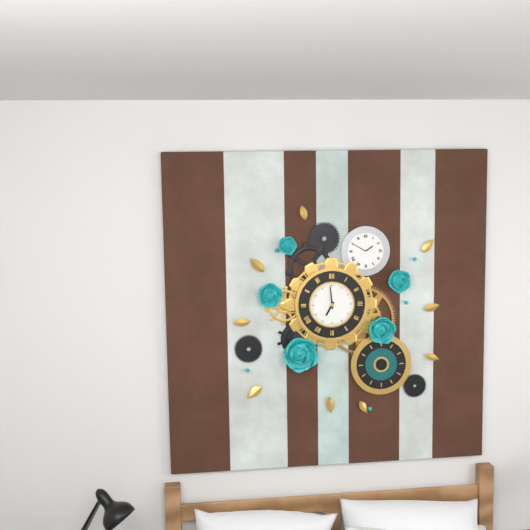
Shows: 6:59
